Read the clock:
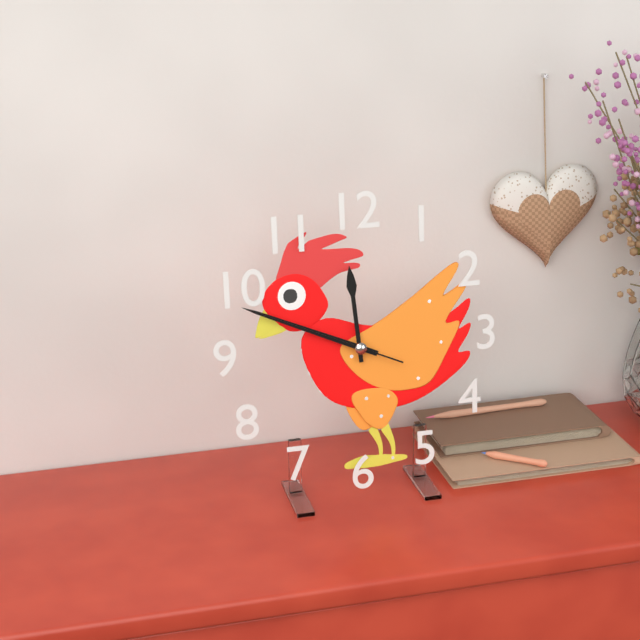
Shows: 11:49:49
